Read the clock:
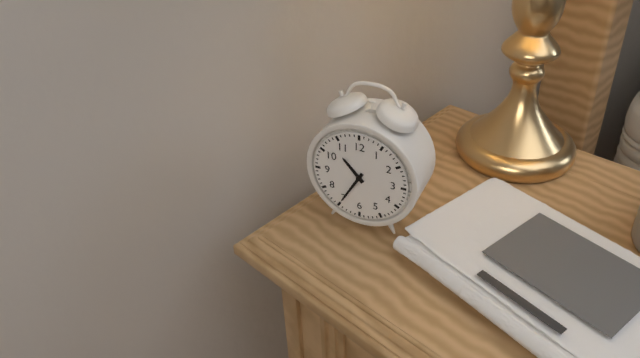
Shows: 10:35
